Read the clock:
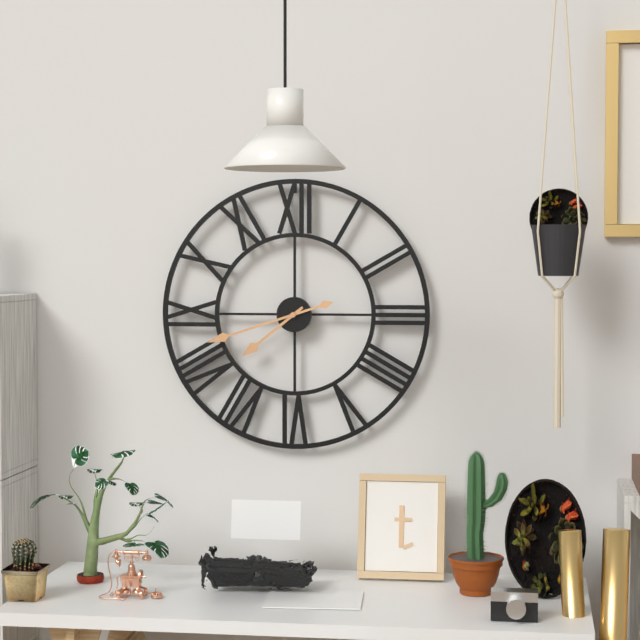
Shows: 7:42
